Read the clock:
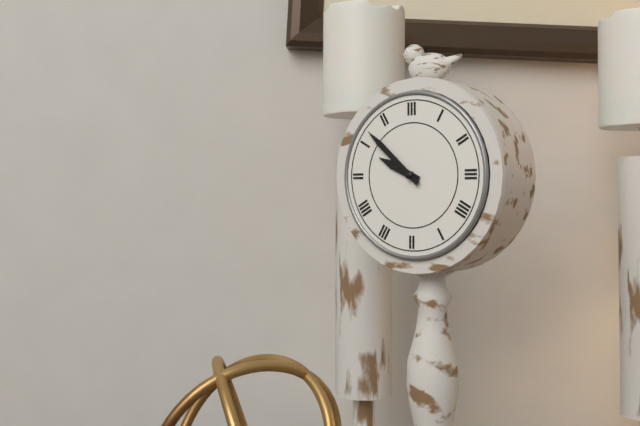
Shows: 9:52
